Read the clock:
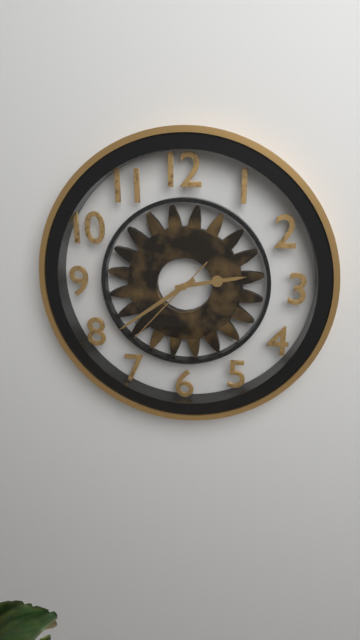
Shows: 2:39:37
